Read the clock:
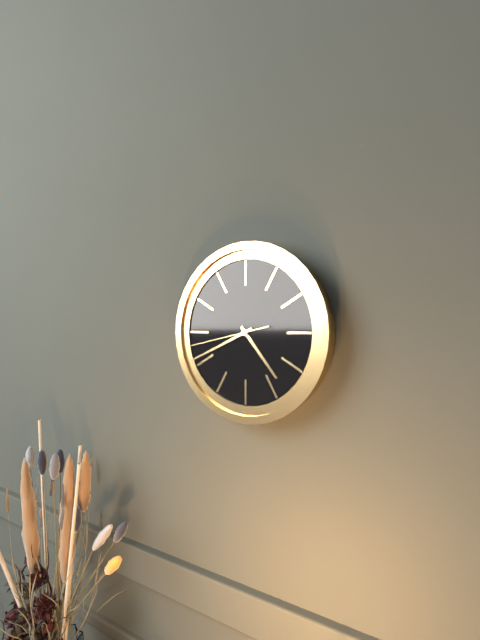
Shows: 4:41:43
